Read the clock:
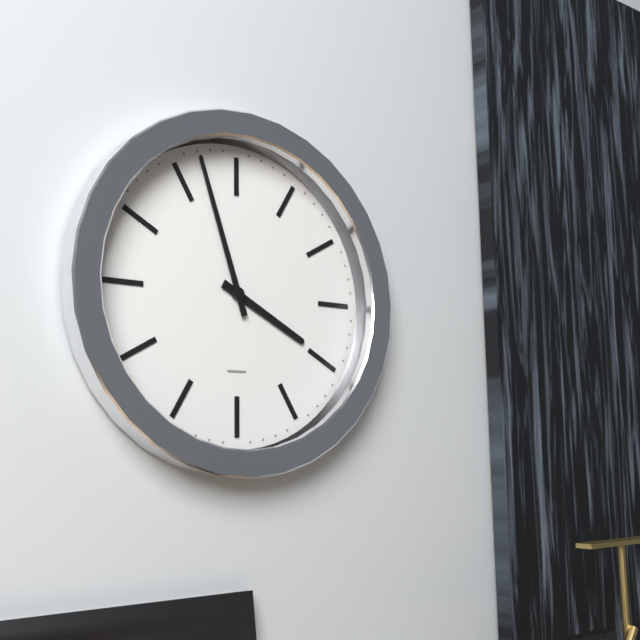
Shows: 3:57
